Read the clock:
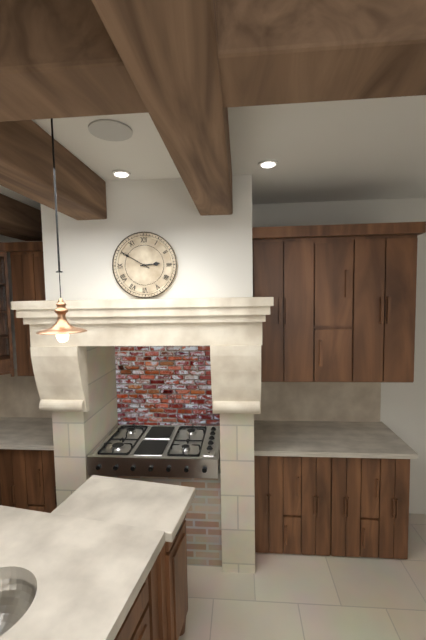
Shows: 2:50
